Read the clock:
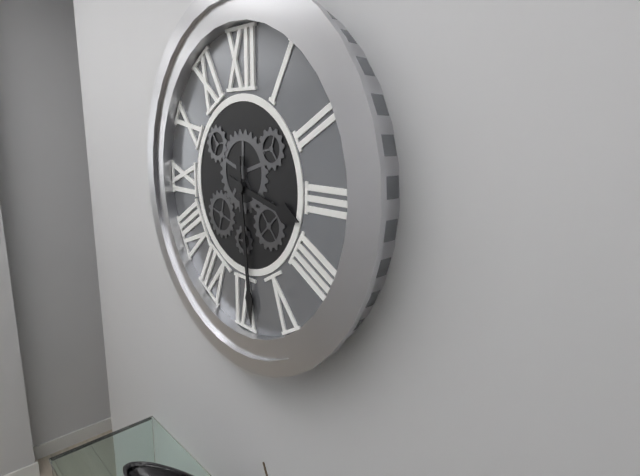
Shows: 3:29
